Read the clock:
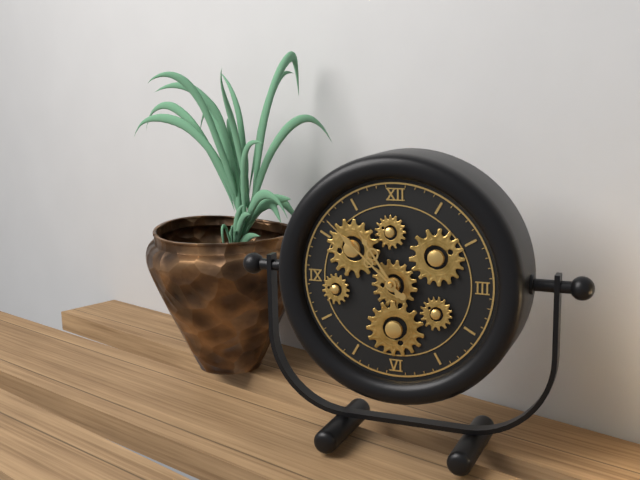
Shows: 10:52
